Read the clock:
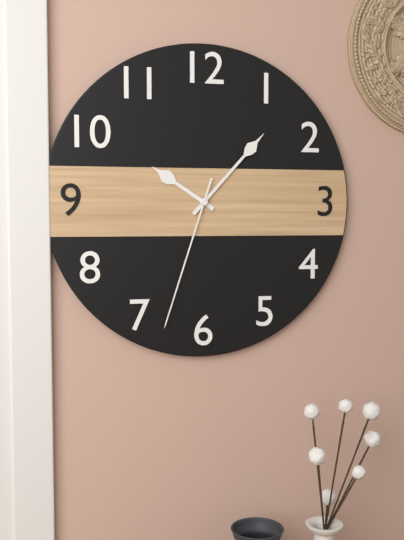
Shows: 10:07:33
